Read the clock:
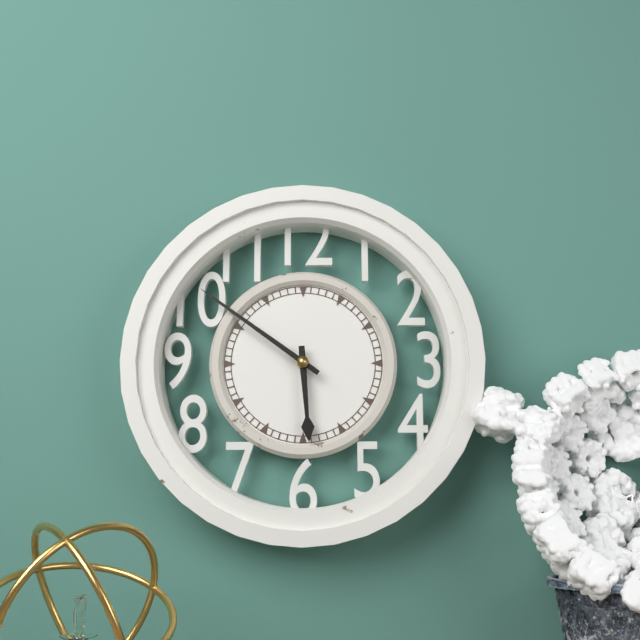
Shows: 5:51
